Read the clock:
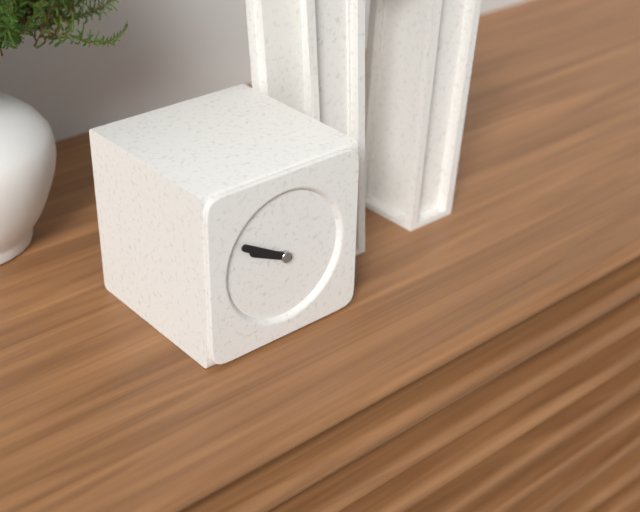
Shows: 9:50
